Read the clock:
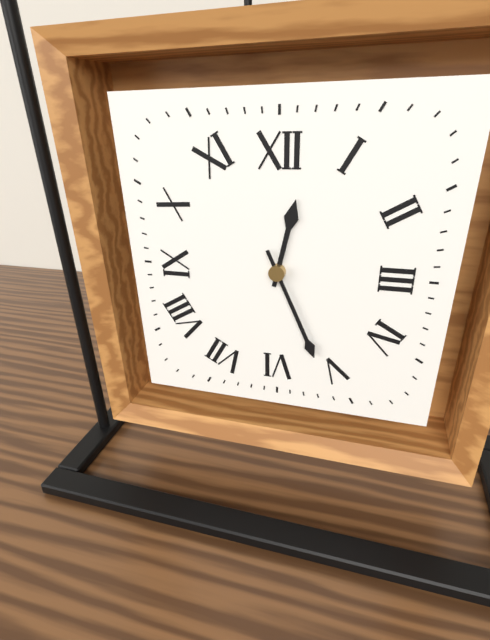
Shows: 12:26
